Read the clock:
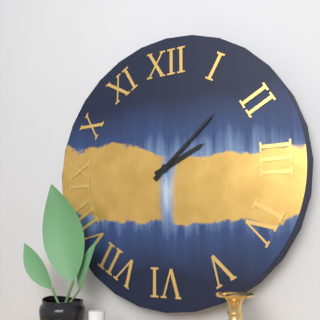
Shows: 2:08
